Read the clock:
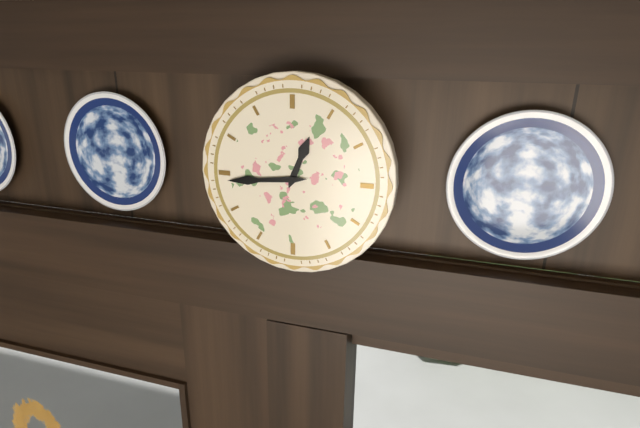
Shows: 12:44
